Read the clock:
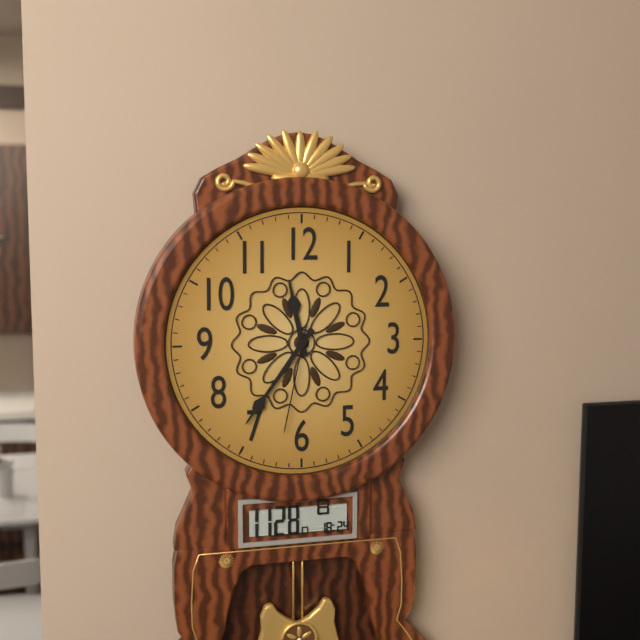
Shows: 11:36:32
